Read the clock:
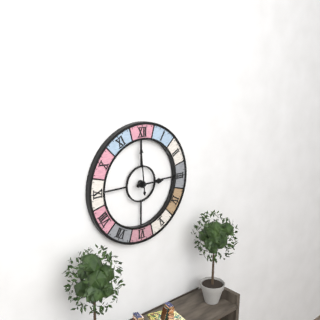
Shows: 2:59
